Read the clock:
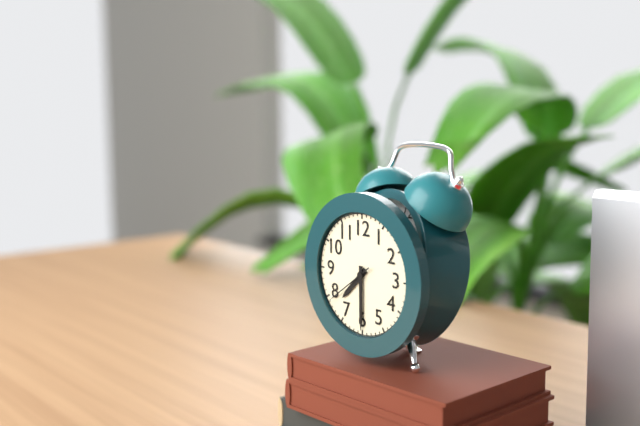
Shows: 7:30:39
